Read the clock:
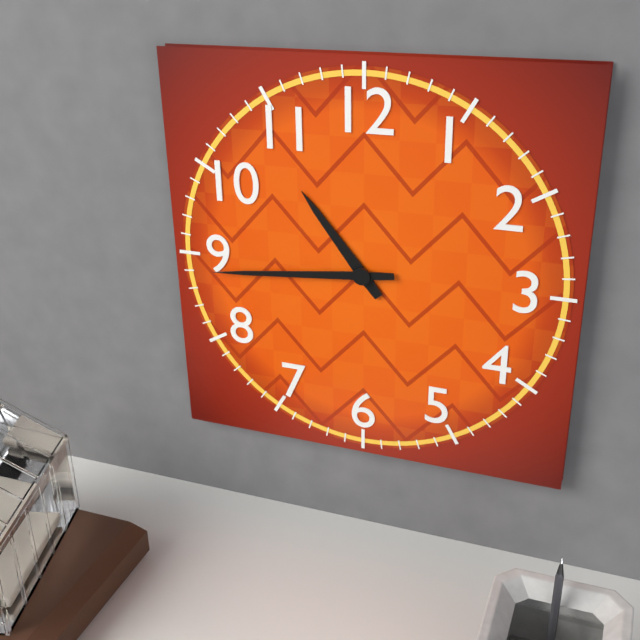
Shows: 10:44
